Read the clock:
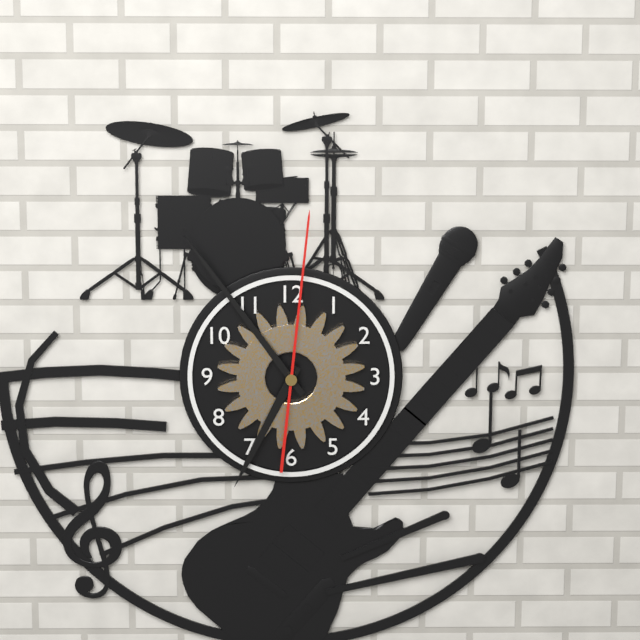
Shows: 6:54:01
